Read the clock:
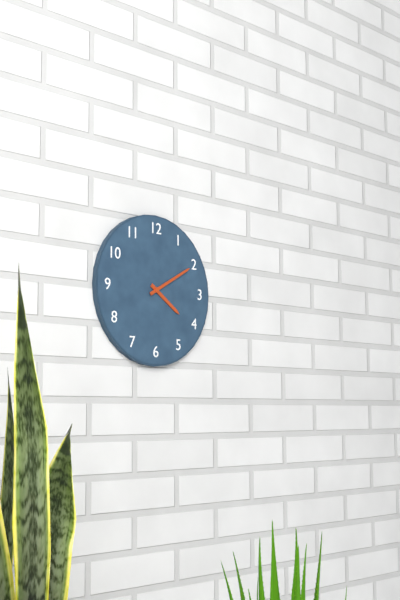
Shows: 4:10
